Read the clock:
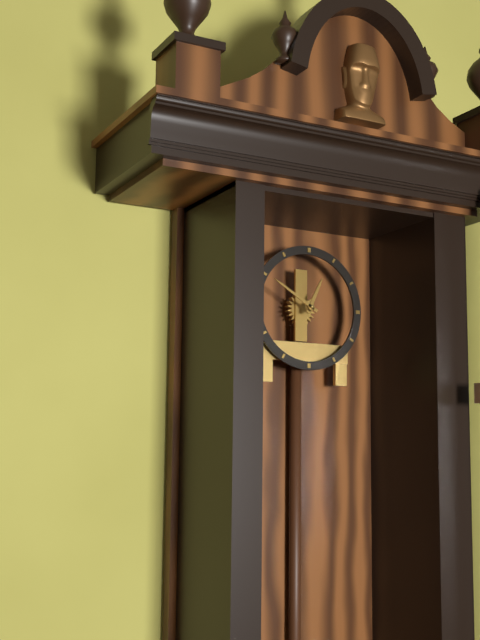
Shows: 12:50
